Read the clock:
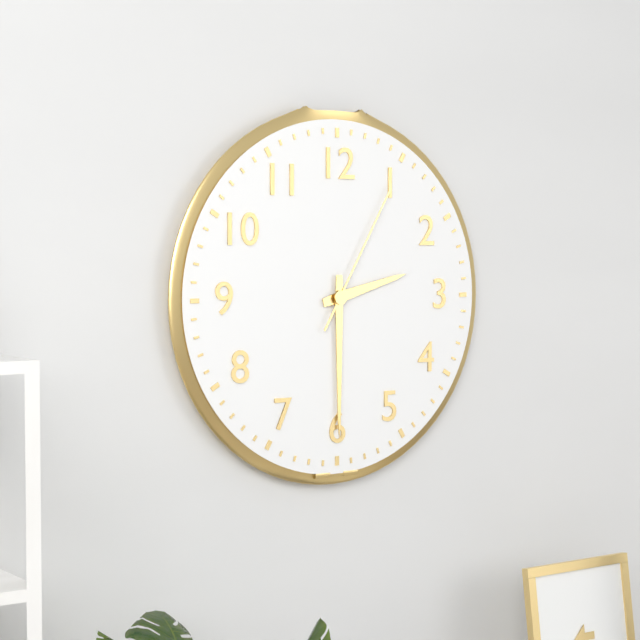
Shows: 2:30:05
